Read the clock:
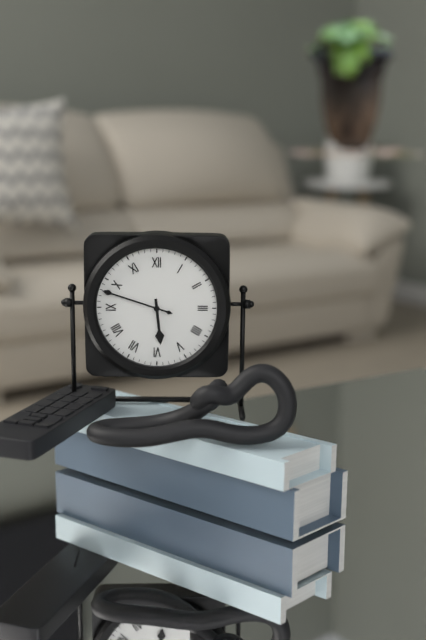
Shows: 5:48
